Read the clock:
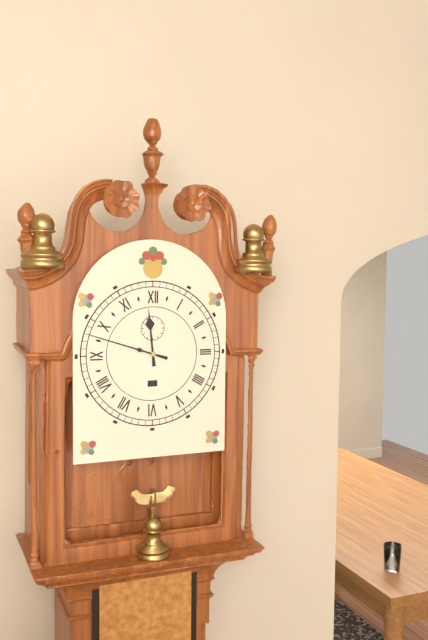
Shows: 11:48
